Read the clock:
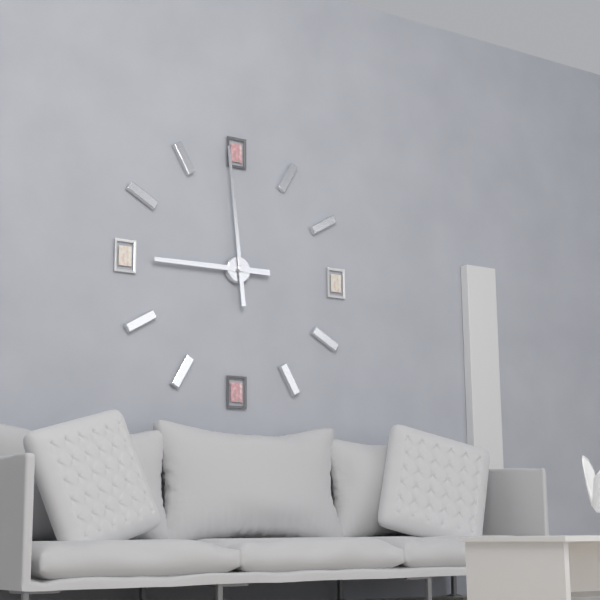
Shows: 8:59
